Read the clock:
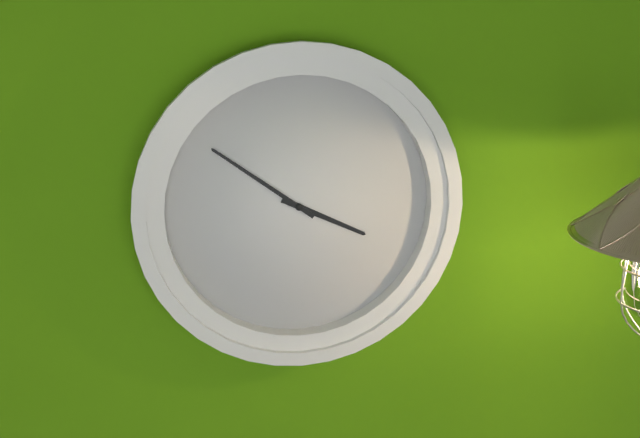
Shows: 3:51
